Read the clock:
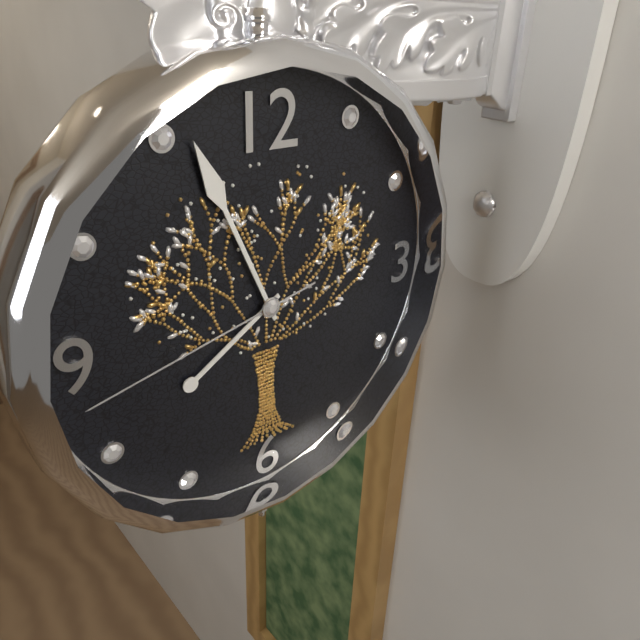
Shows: 7:56:43
